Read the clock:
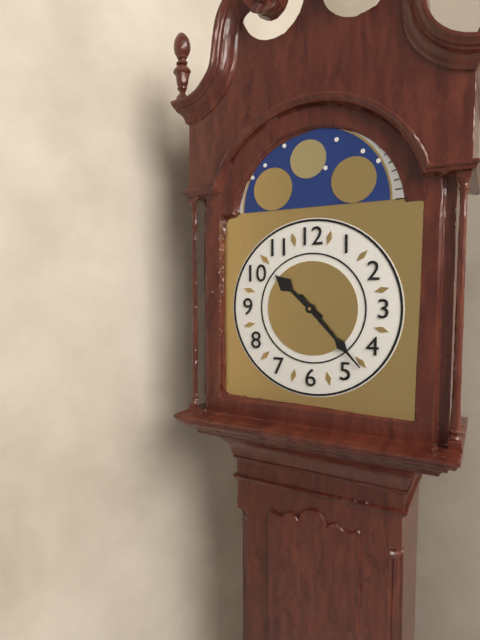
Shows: 10:23
